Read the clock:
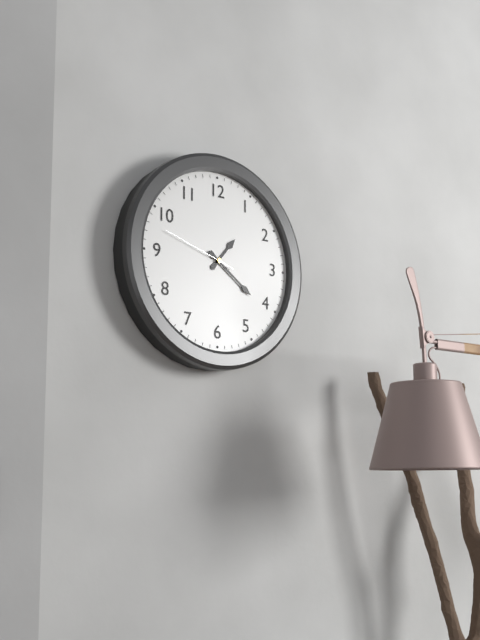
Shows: 1:21:48
